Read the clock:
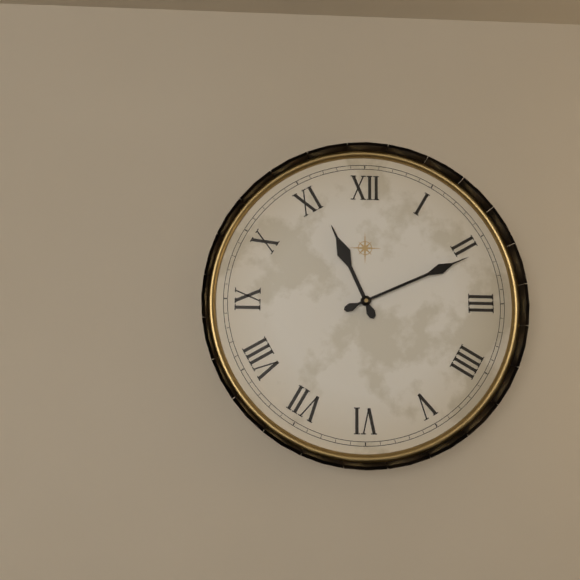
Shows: 11:11
